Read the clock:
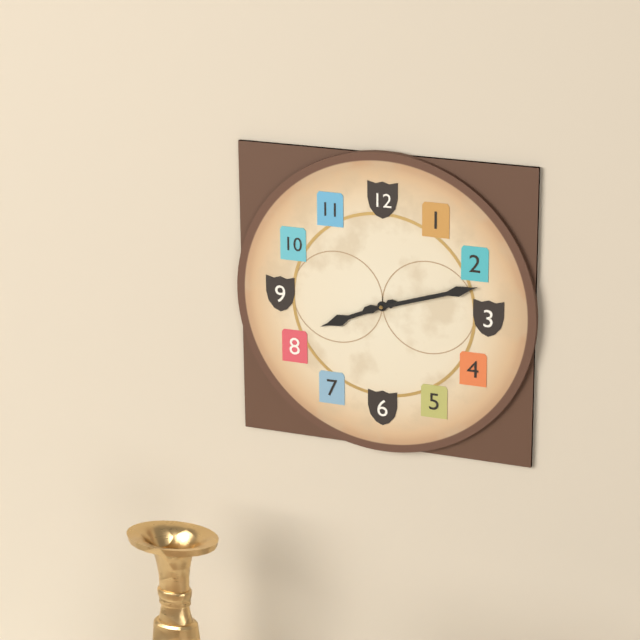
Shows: 8:12
